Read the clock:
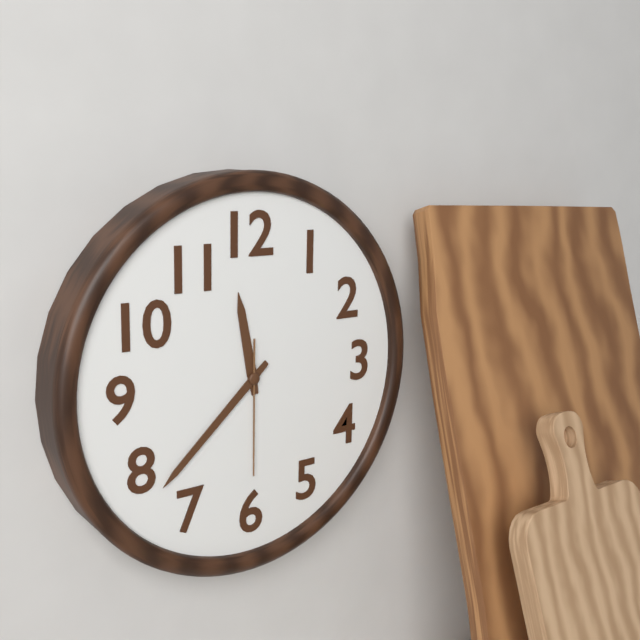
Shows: 11:38:30
